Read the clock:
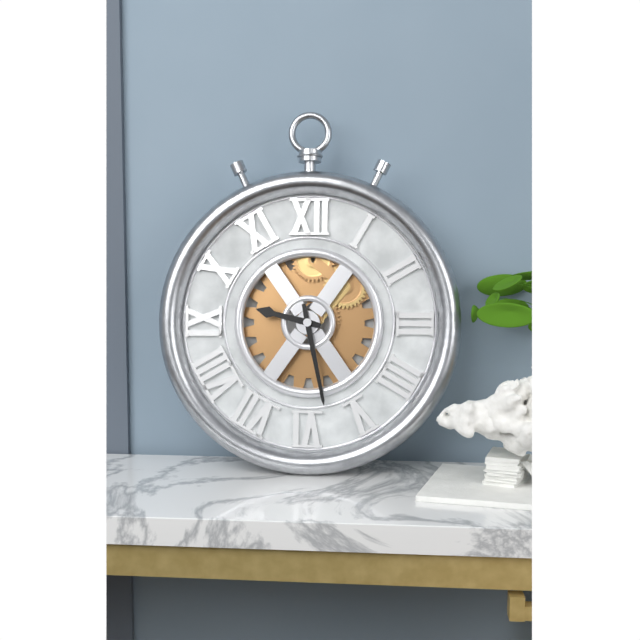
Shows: 9:28
